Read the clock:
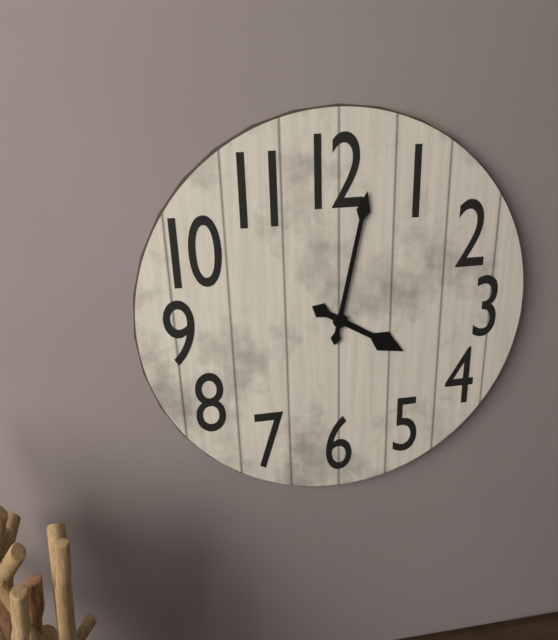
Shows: 4:02
